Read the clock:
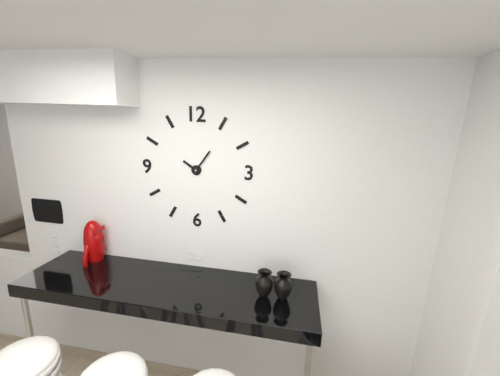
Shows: 10:06
